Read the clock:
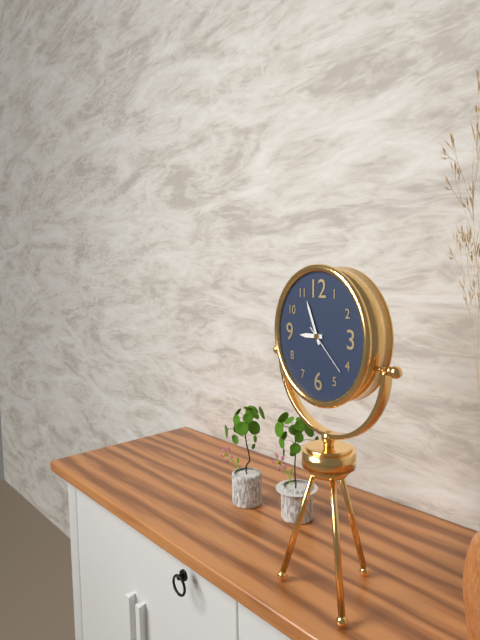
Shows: 8:56:22
